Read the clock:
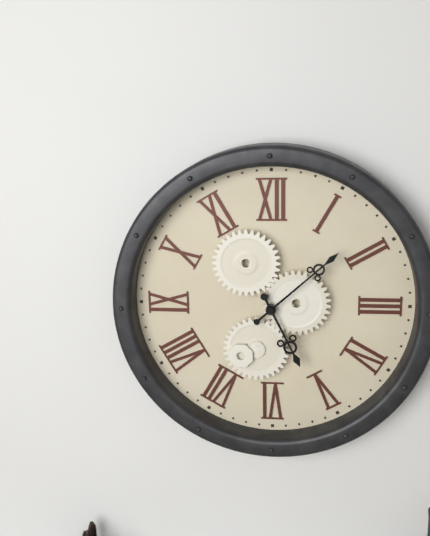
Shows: 5:08
